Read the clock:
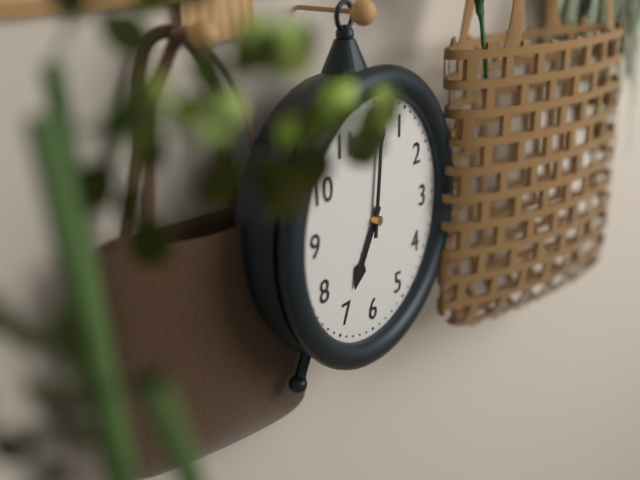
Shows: 7:01
